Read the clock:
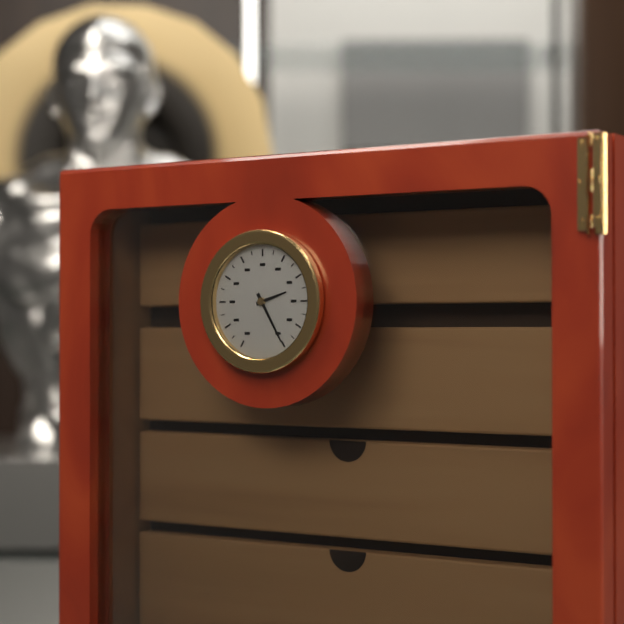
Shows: 2:25
